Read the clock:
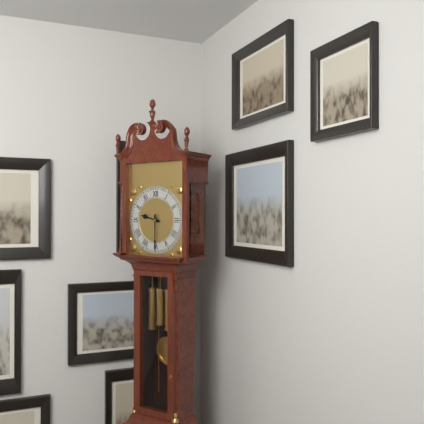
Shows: 9:30
